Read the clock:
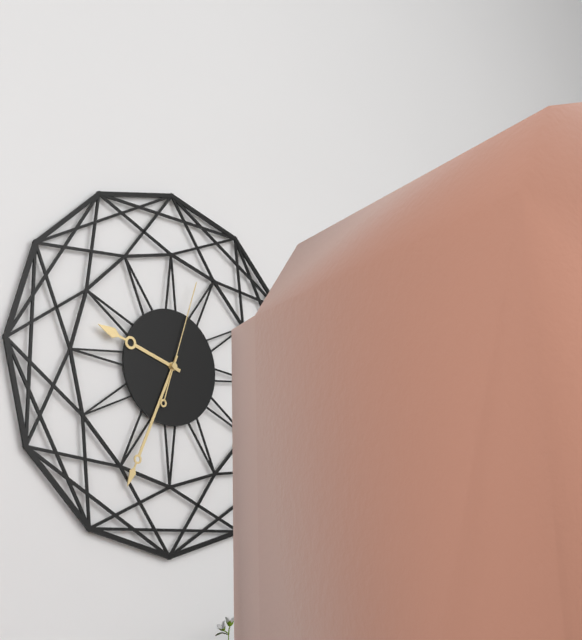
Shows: 9:34:03
